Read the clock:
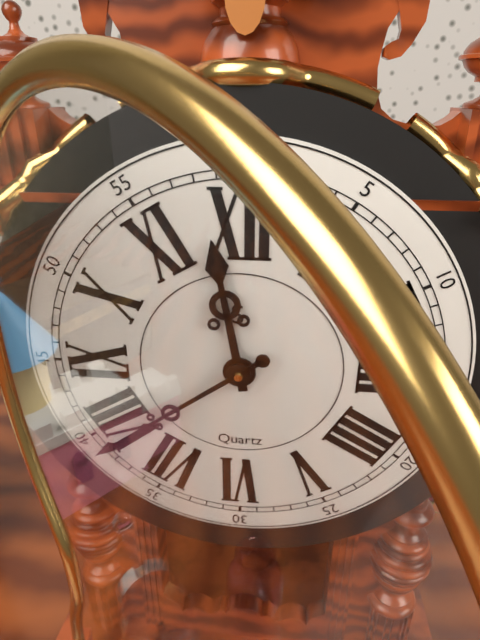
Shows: 11:39
